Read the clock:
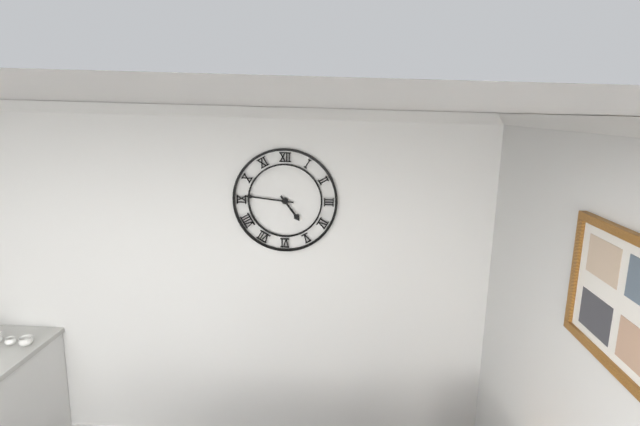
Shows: 4:46
